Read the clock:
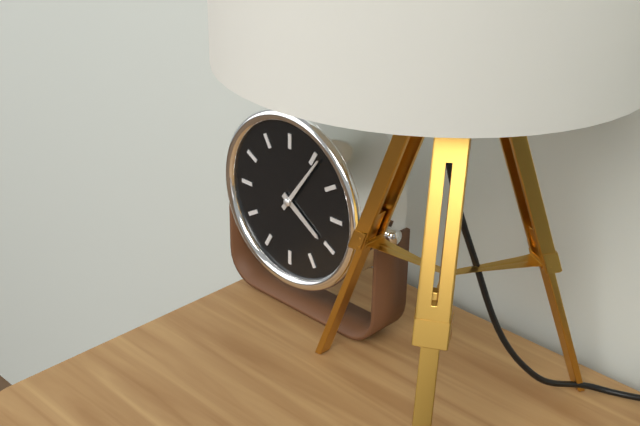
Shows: 4:06
